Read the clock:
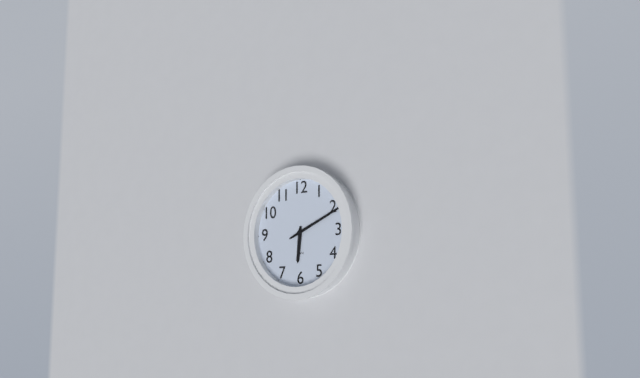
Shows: 6:11
